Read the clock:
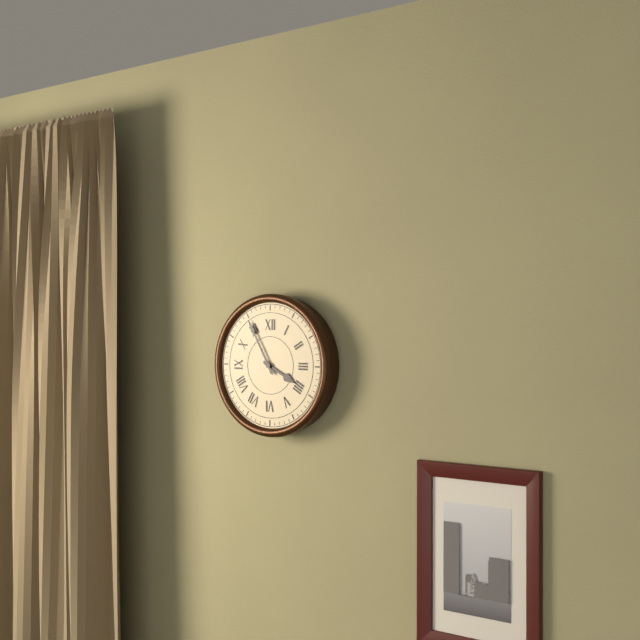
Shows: 3:55
